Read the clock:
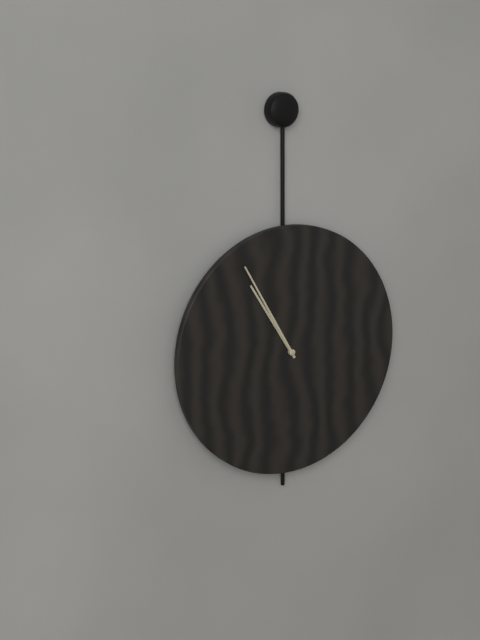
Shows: 10:55
